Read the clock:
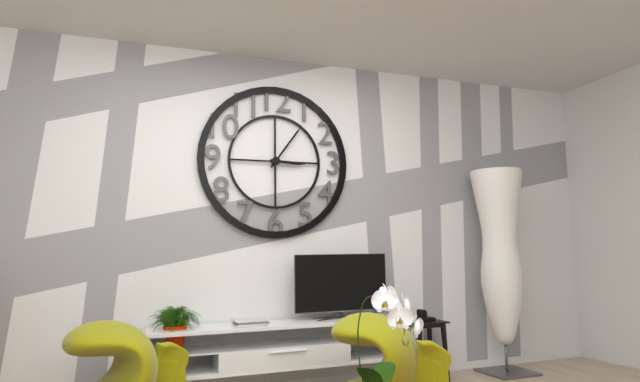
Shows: 3:06
